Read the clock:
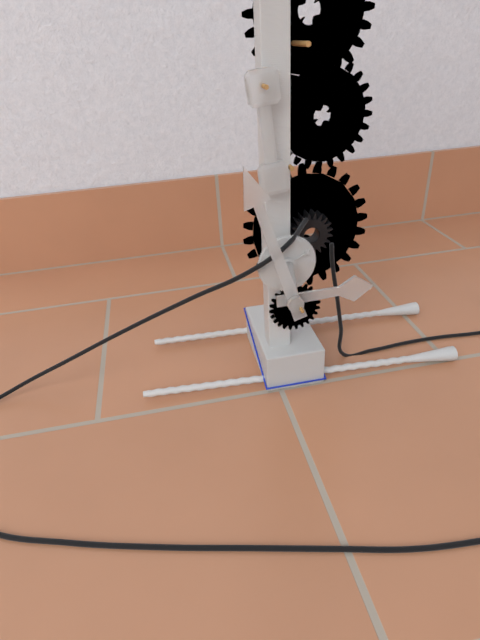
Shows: 2:57
